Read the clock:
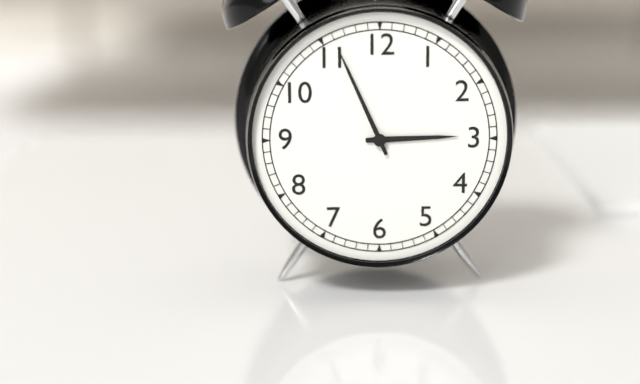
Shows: 2:56
